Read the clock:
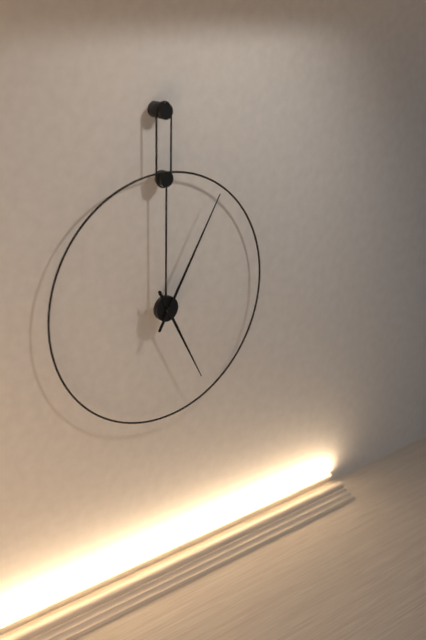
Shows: 5:05
